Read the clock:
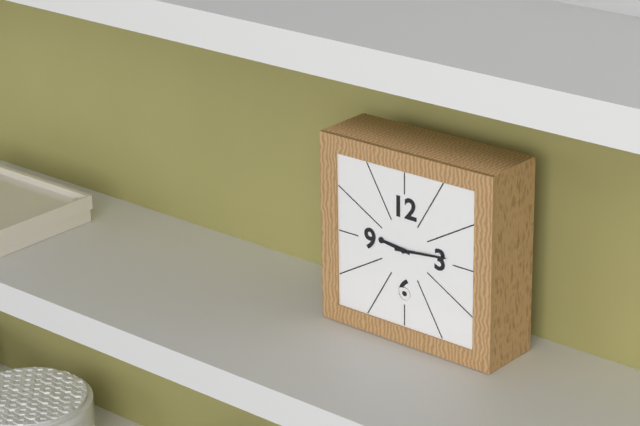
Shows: 9:14
